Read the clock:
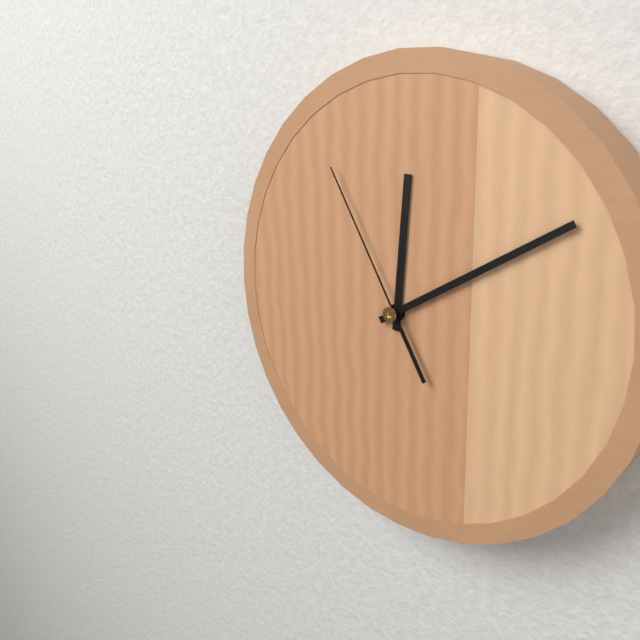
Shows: 12:10:55
